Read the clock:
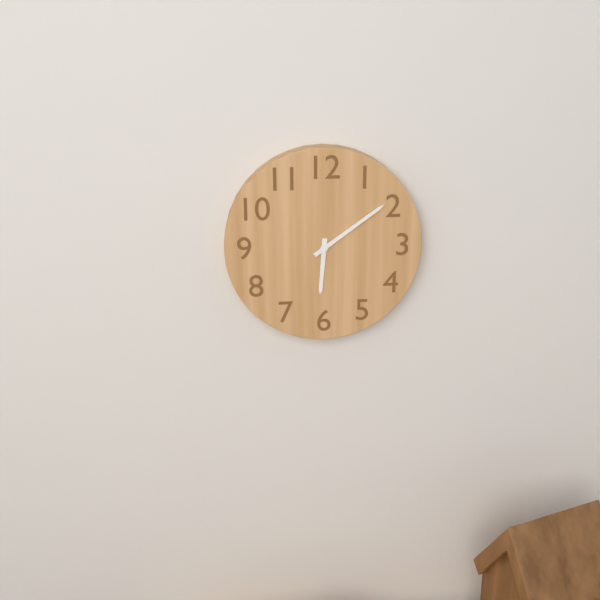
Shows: 6:09
